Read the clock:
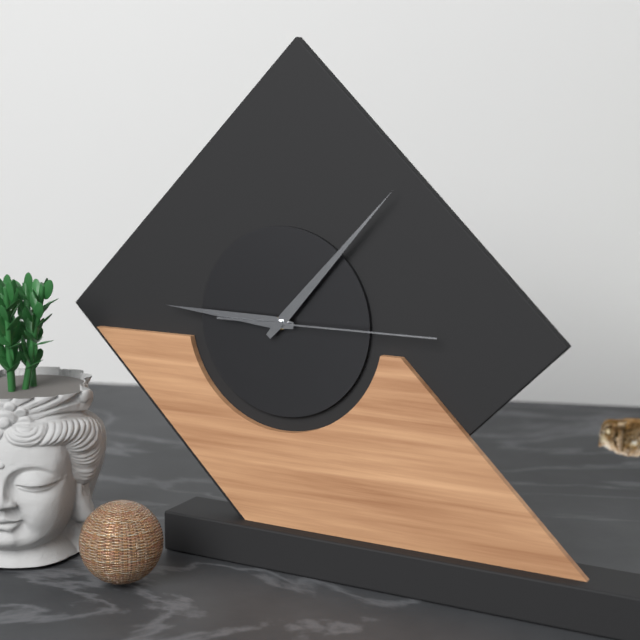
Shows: 9:07:15
